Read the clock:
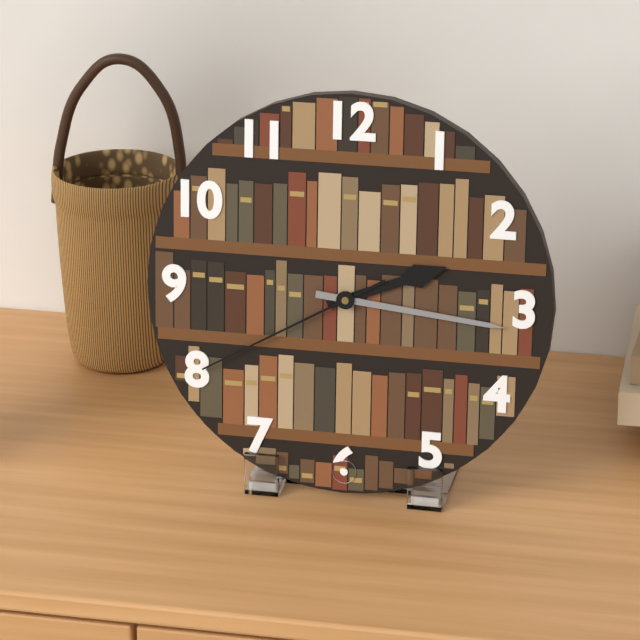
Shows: 2:16:40
